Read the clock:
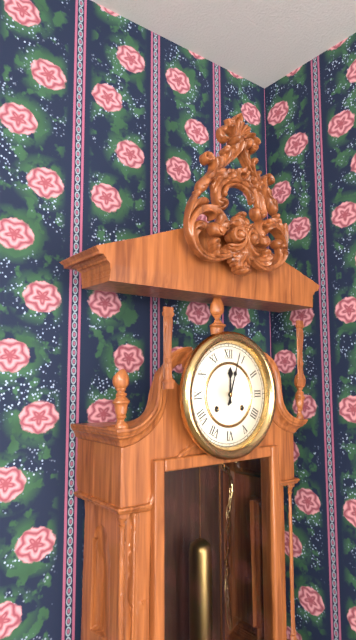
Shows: 12:03
